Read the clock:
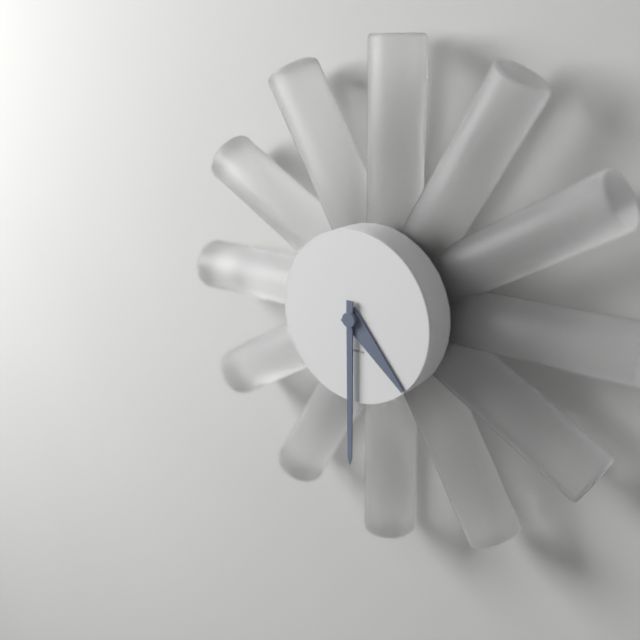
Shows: 4:30
